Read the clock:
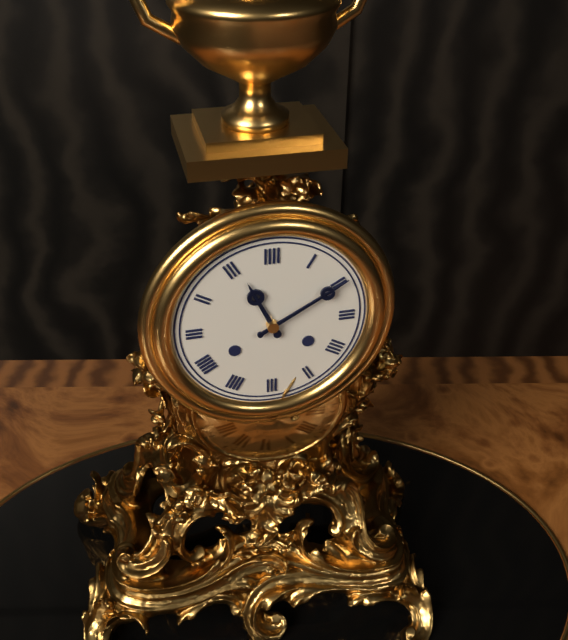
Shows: 11:10
